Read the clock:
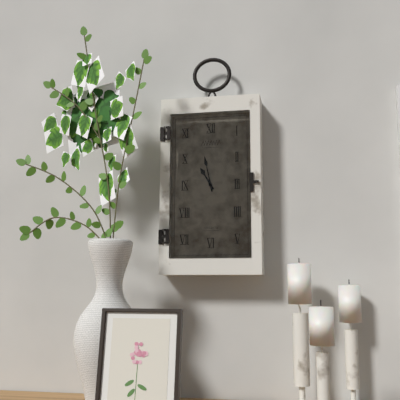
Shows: 10:58
